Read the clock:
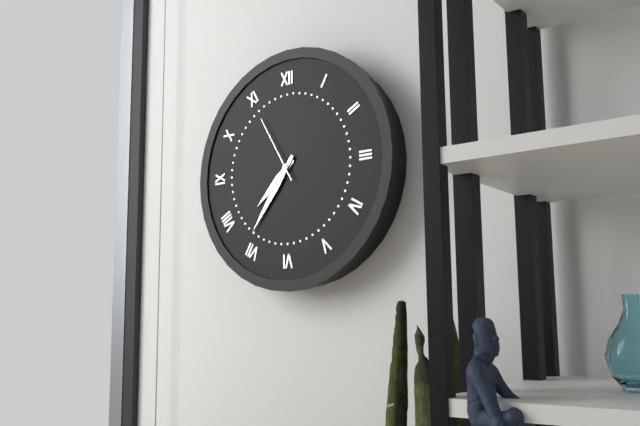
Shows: 7:36:55
